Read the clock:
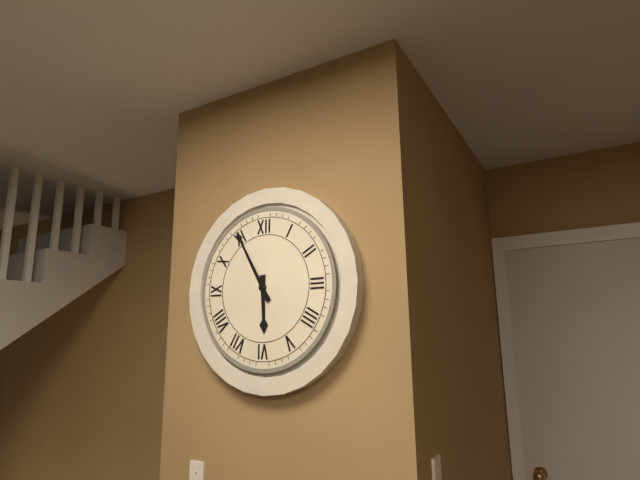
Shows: 5:55
